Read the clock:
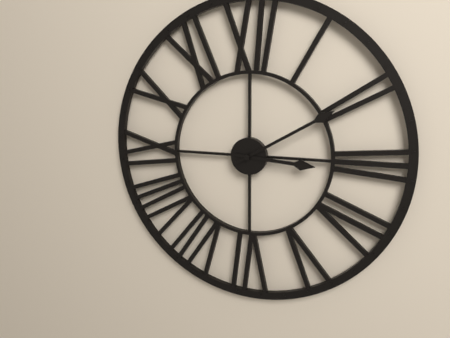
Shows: 3:10
